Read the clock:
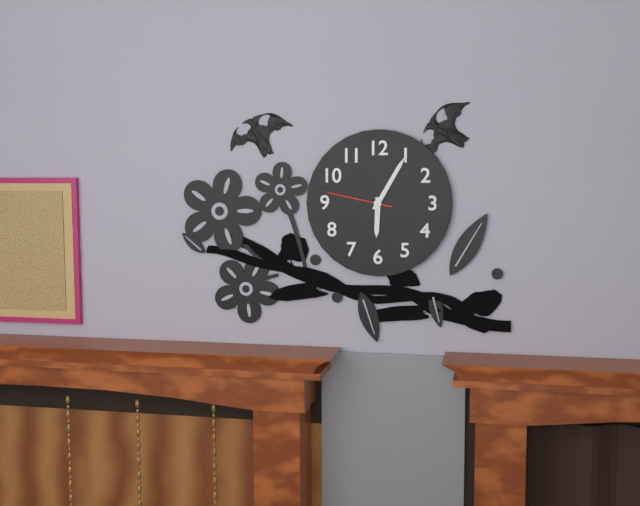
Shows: 6:05:47
